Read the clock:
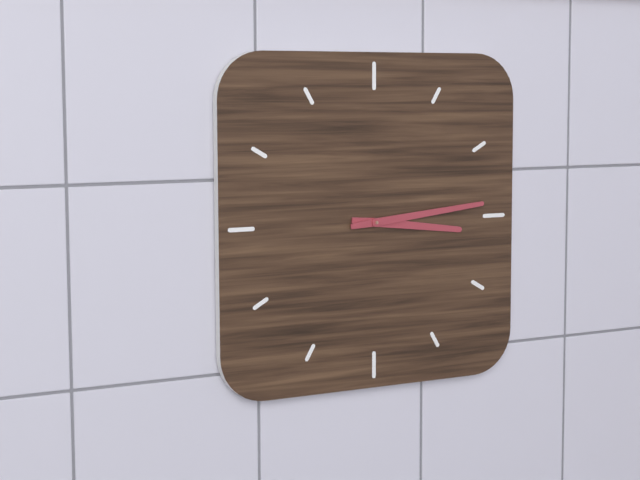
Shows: 3:14
